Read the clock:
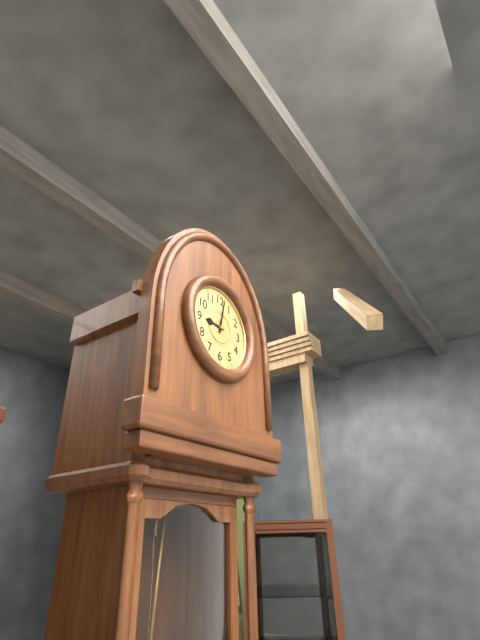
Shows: 9:02
